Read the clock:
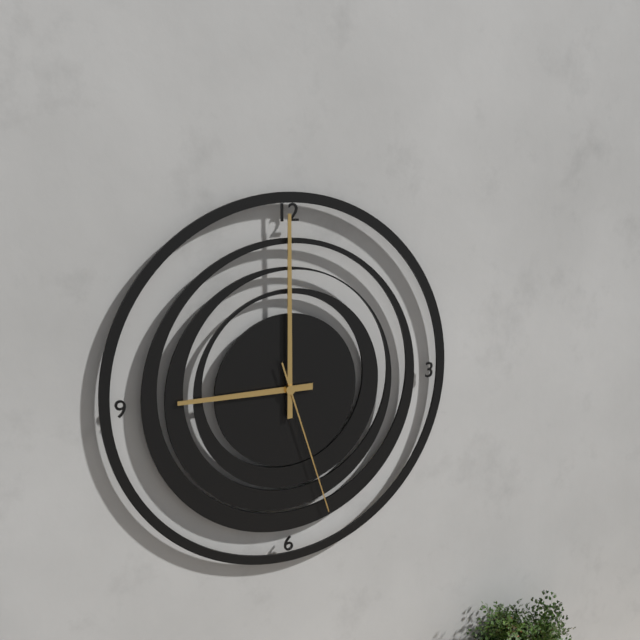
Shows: 9:00:27
